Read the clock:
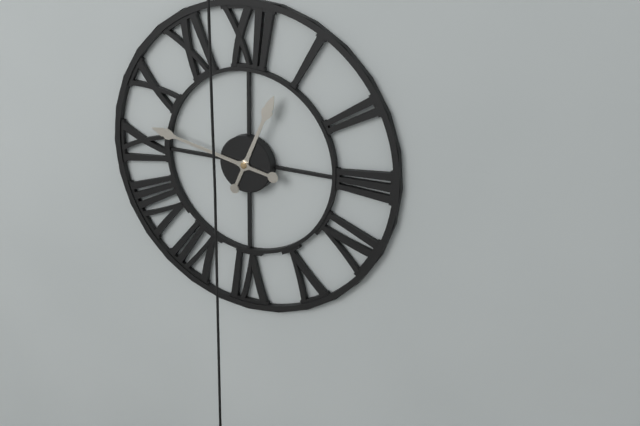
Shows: 12:47
